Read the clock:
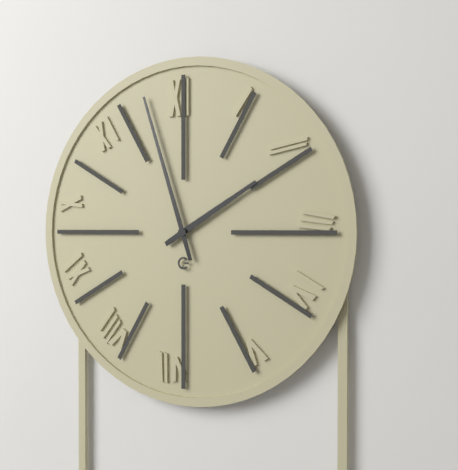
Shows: 1:57
